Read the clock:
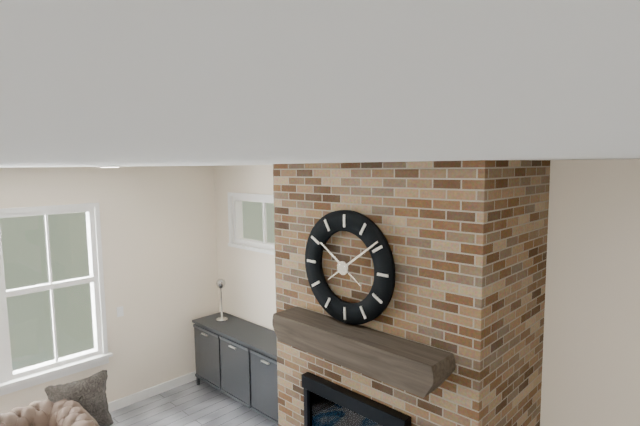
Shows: 10:09
